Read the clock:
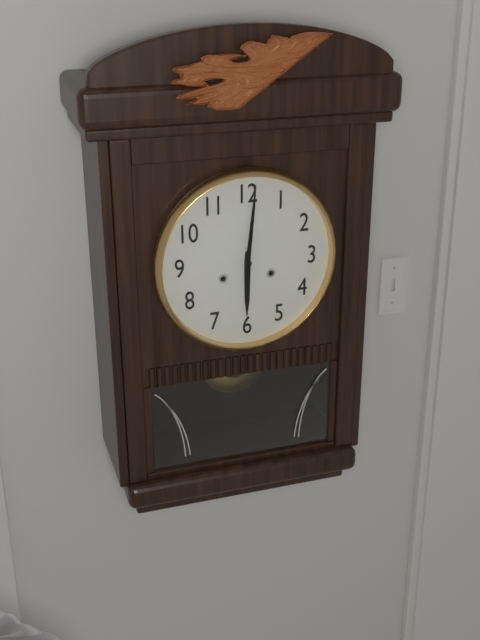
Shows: 6:01
